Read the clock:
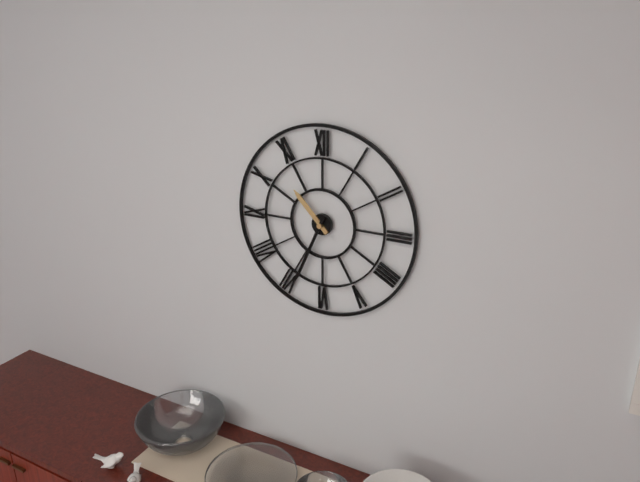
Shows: 10:34
